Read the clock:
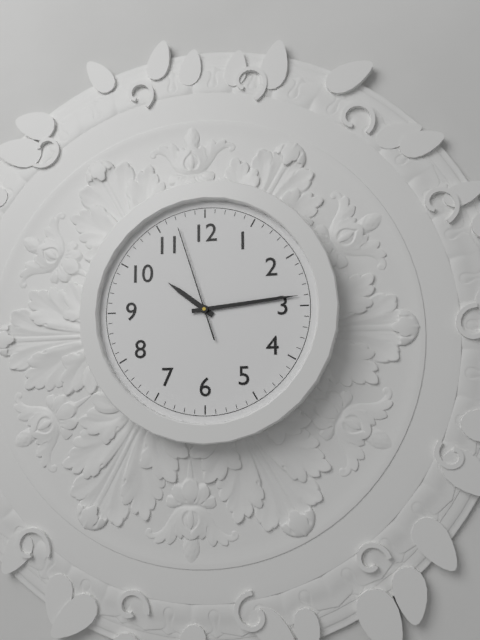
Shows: 10:14:57
